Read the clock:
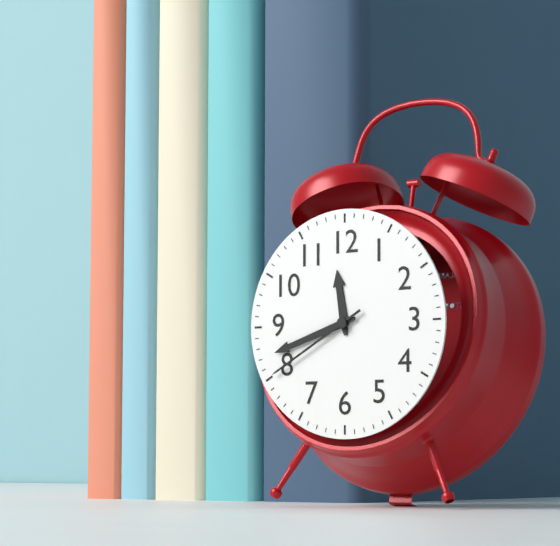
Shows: 11:42:40
